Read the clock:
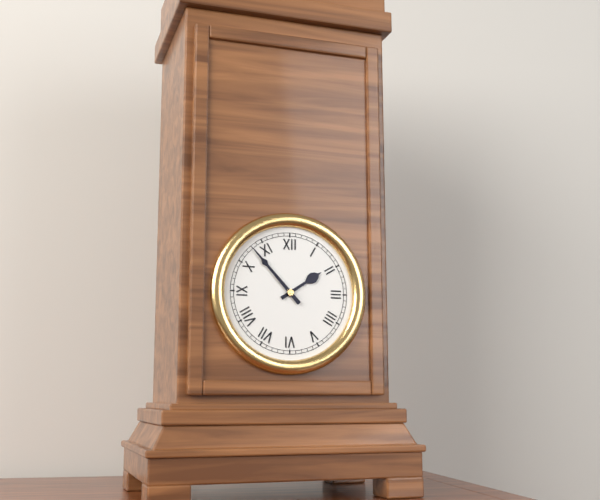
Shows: 1:53
